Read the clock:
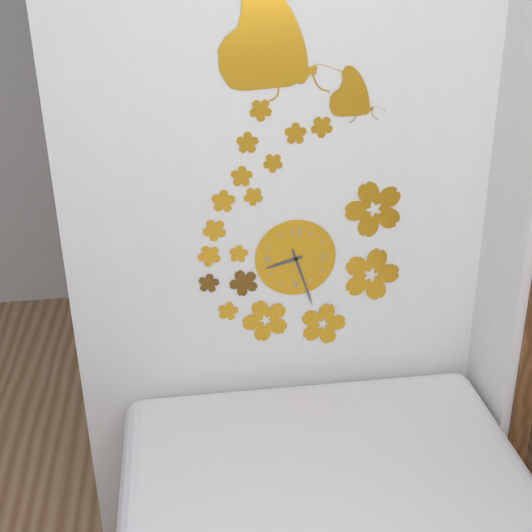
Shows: 8:27
